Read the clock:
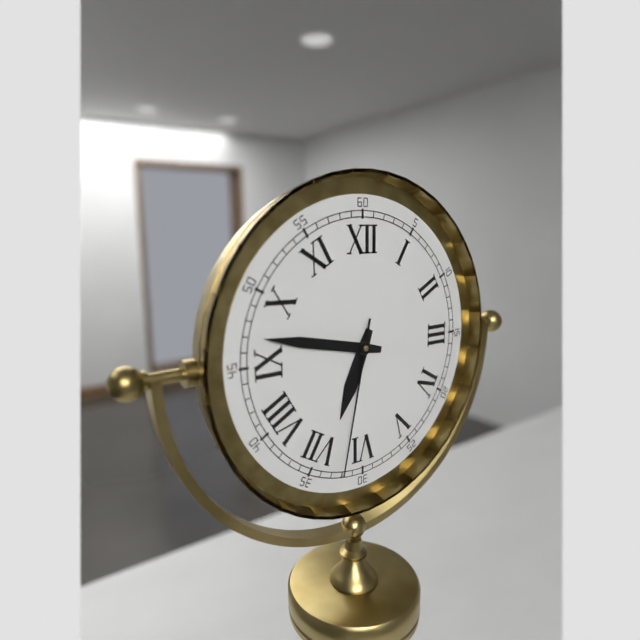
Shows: 6:47:32
